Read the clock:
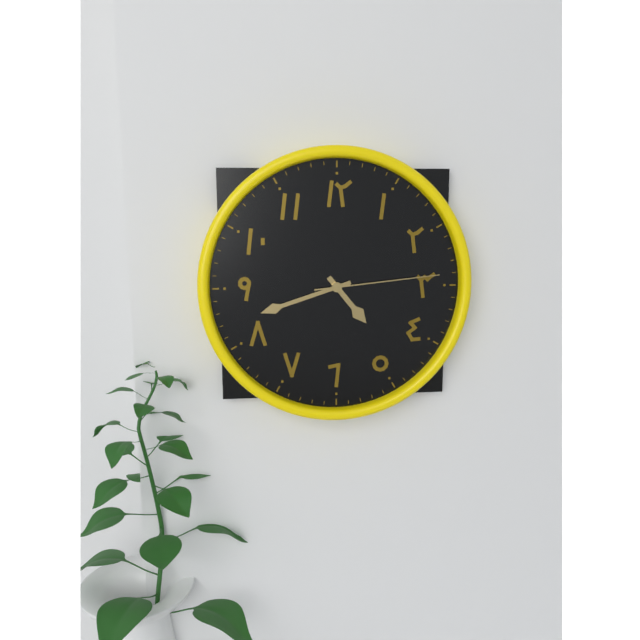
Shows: 4:42:14
